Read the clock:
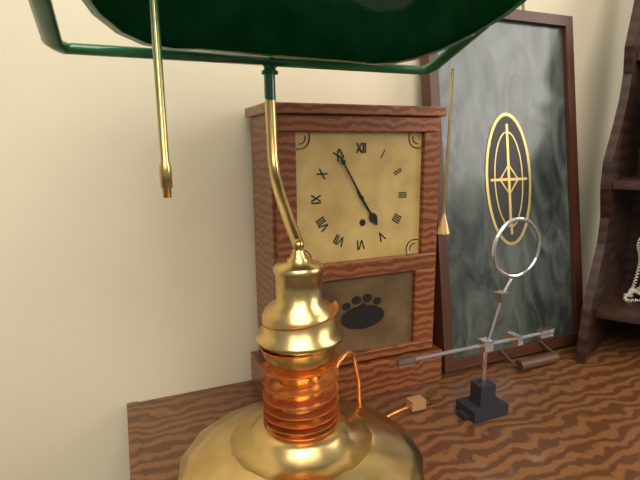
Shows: 4:55
